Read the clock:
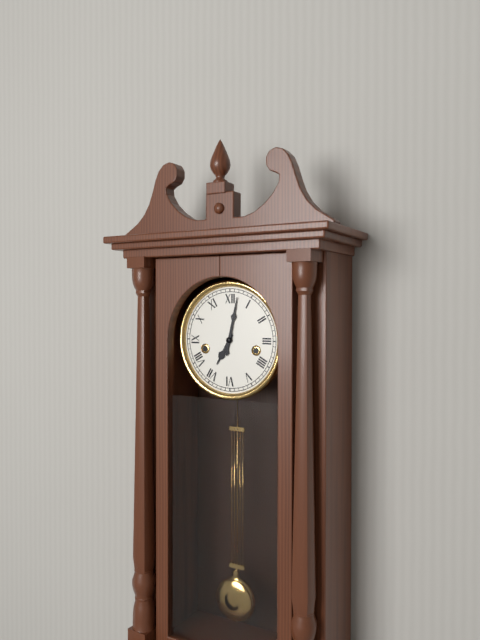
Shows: 7:02
